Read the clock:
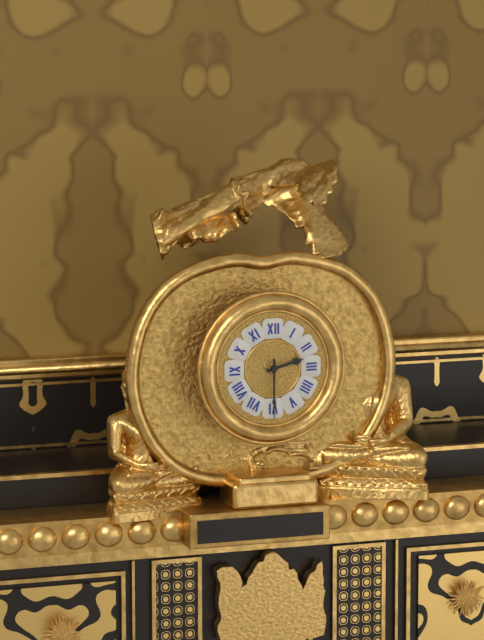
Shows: 2:30
